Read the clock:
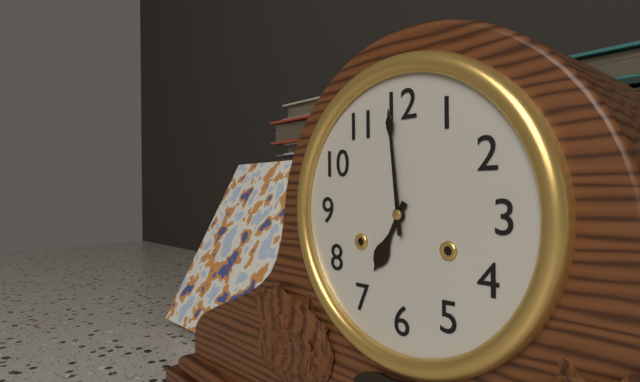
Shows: 6:59
